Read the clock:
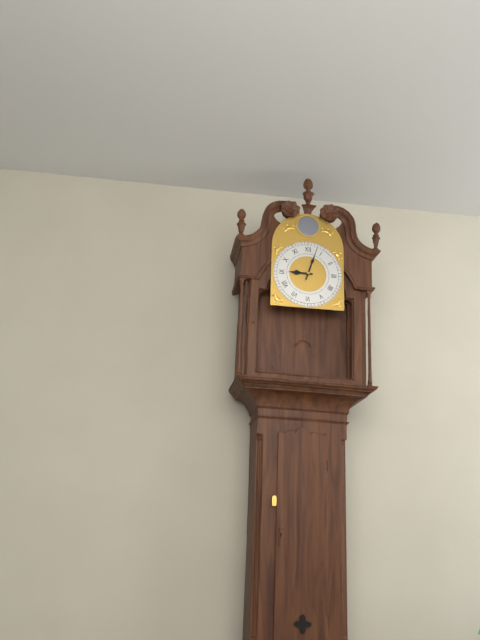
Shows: 9:03
